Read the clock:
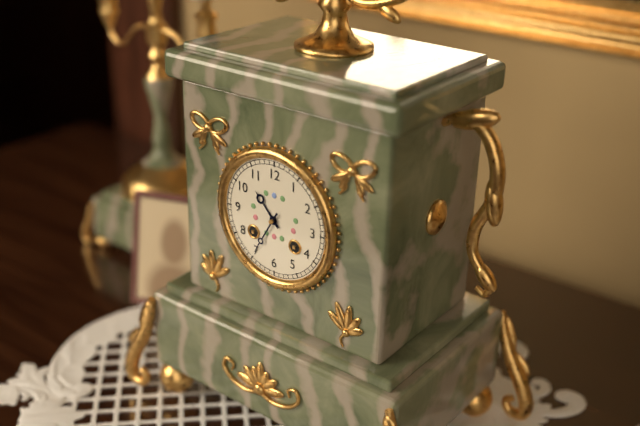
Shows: 10:35
